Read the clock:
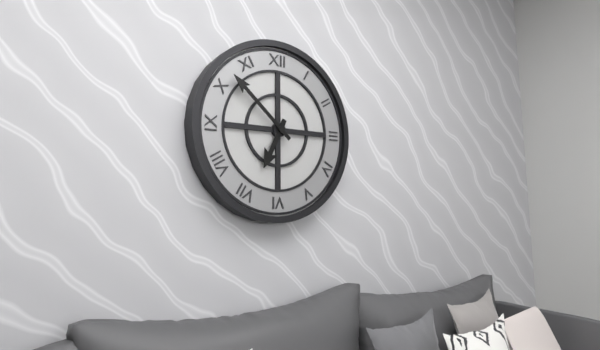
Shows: 6:52
